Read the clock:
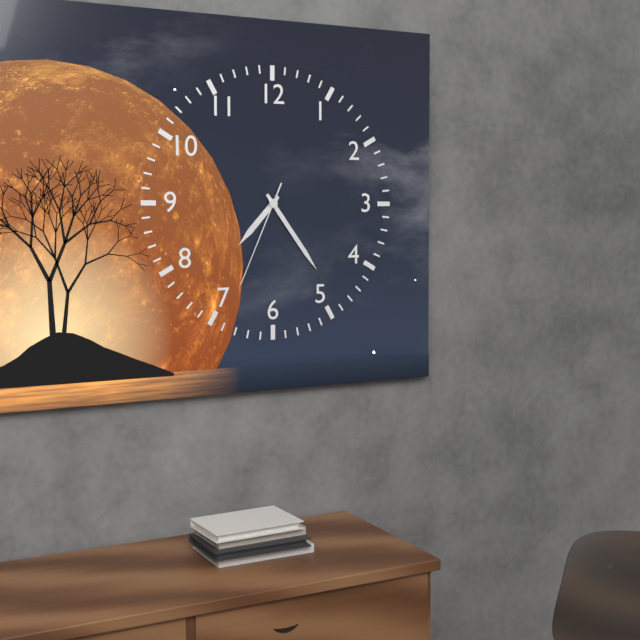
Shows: 7:24:34
